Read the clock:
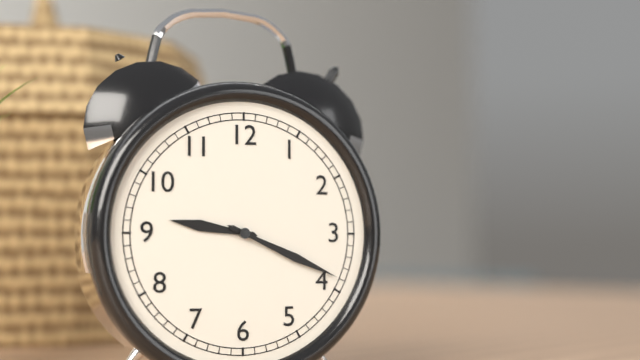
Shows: 9:19
